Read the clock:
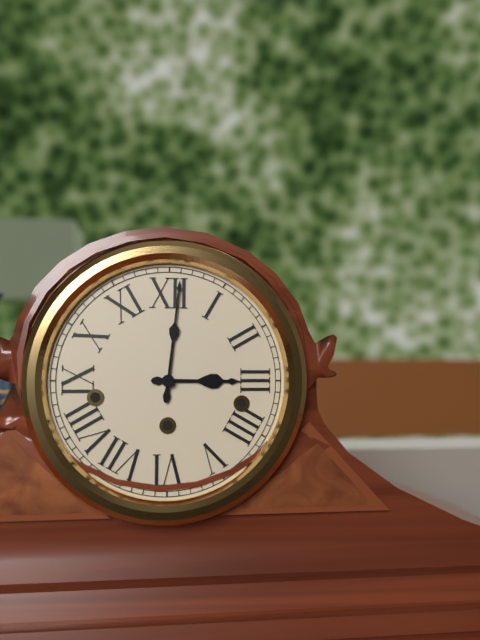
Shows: 3:01
